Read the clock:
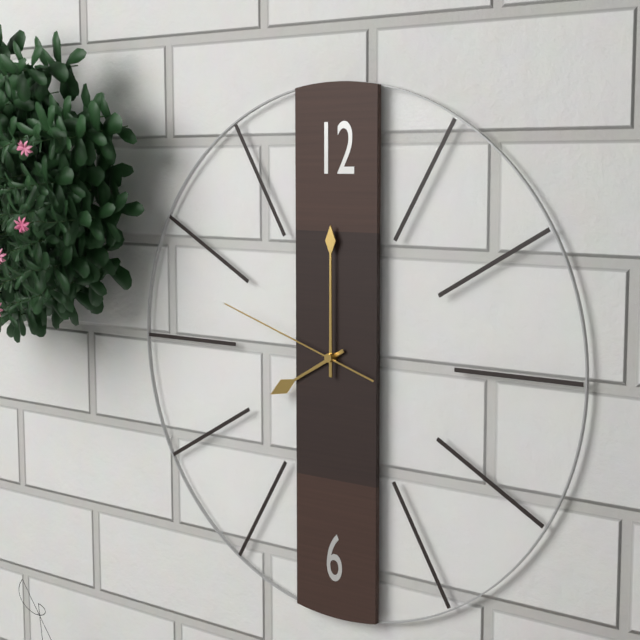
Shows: 8:00:48
